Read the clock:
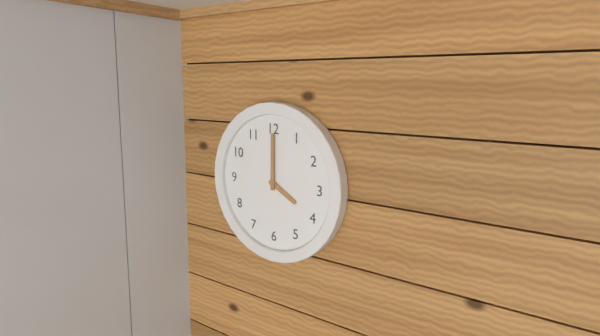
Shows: 4:00
